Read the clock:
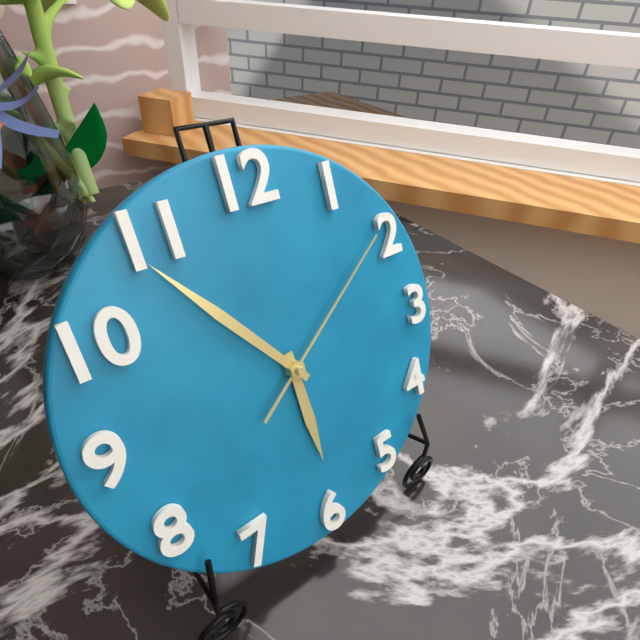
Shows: 5:54:09
